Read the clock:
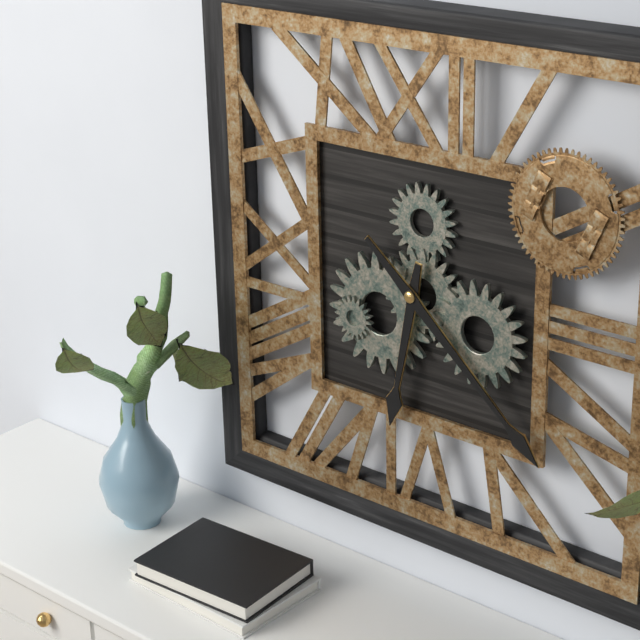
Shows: 6:22
